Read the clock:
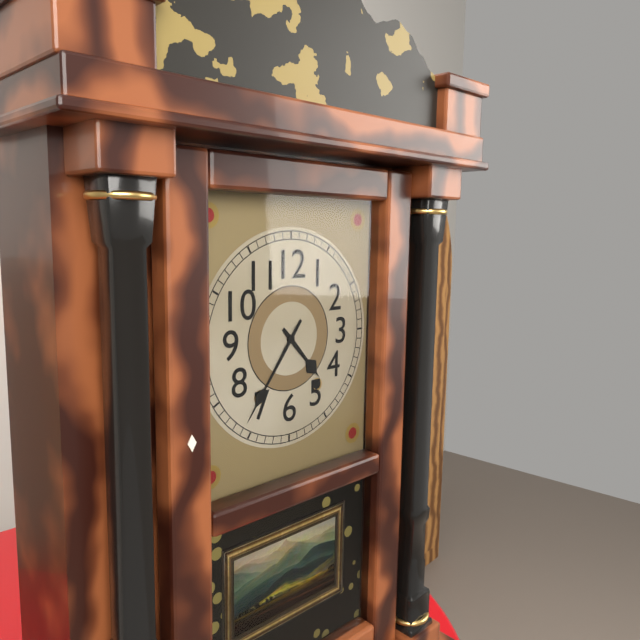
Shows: 4:36
